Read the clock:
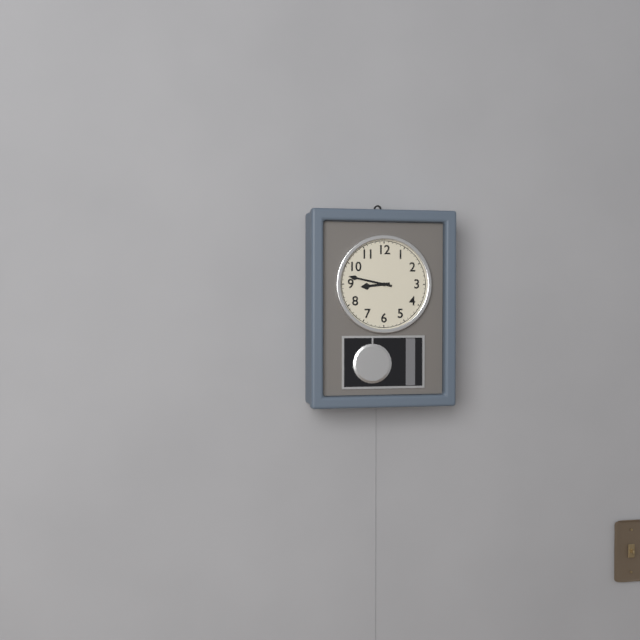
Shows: 8:47
